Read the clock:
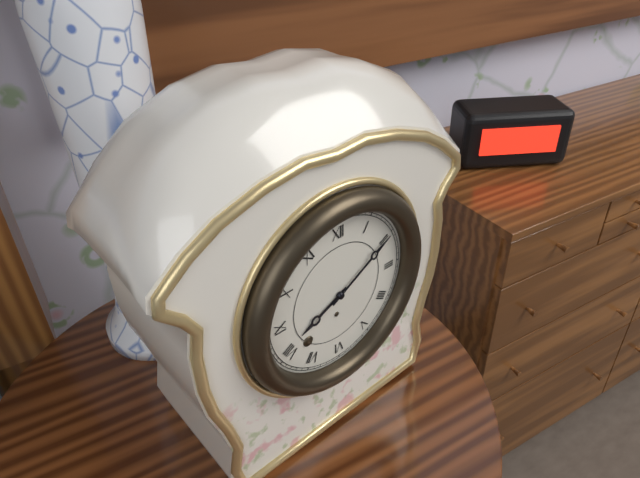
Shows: 8:10
